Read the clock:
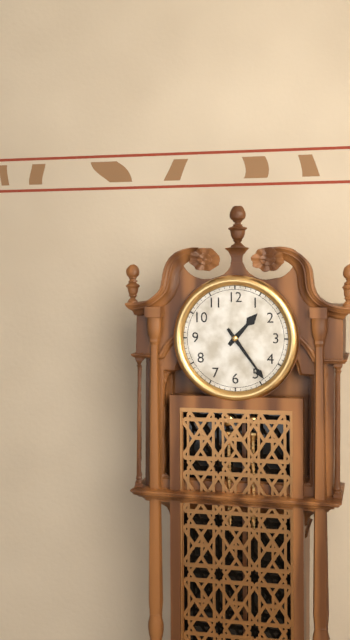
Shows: 1:24
